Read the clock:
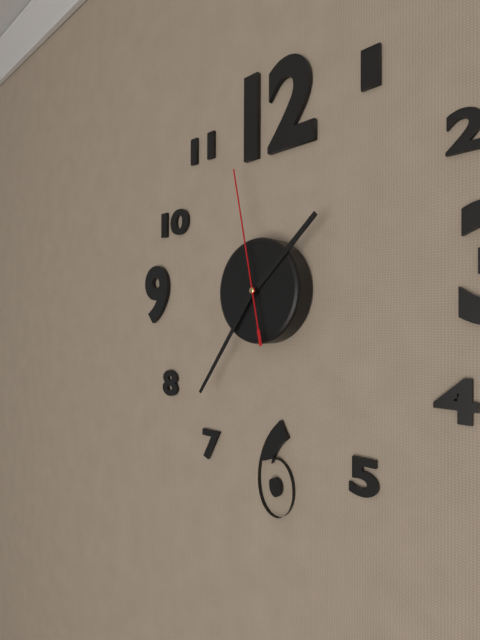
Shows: 1:36:58
